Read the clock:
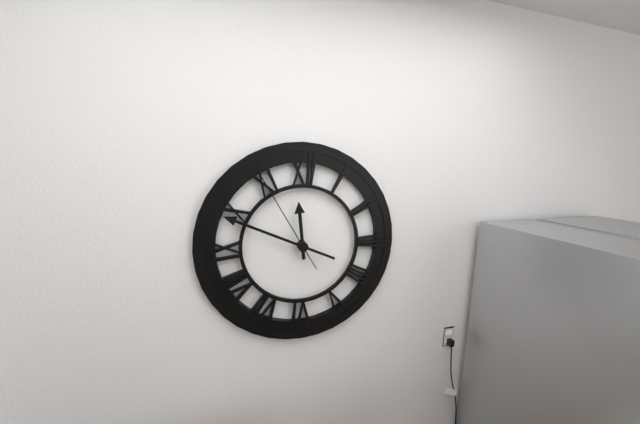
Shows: 11:49:55
